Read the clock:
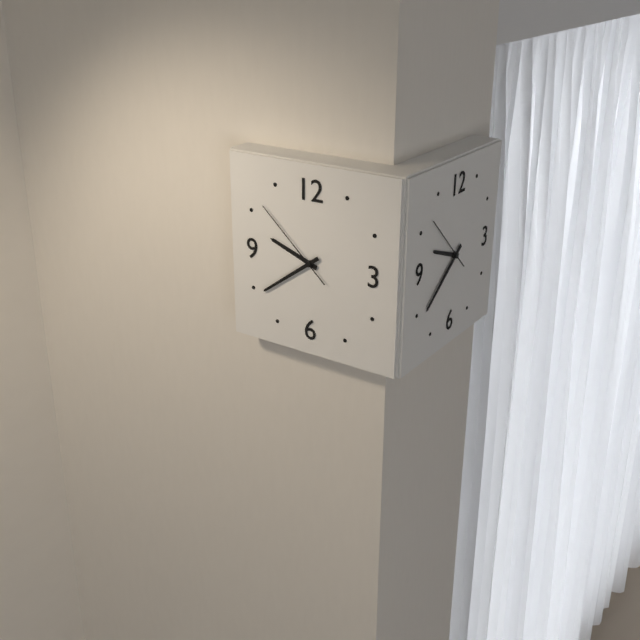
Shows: 9:39:52
